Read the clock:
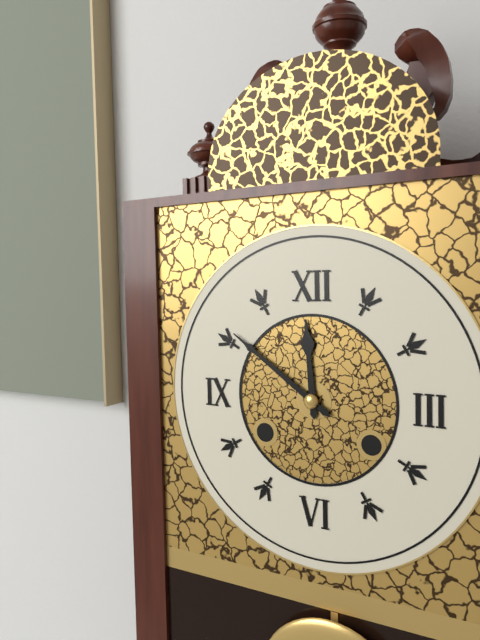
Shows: 11:51
